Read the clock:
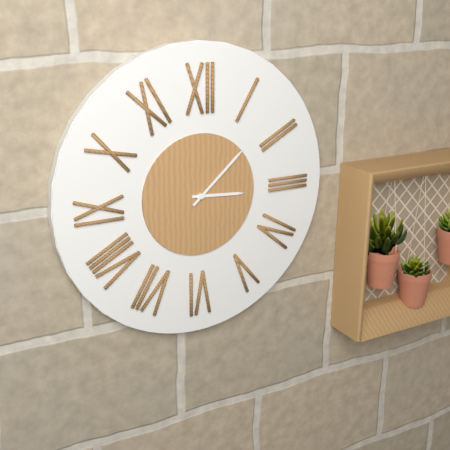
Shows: 3:08
